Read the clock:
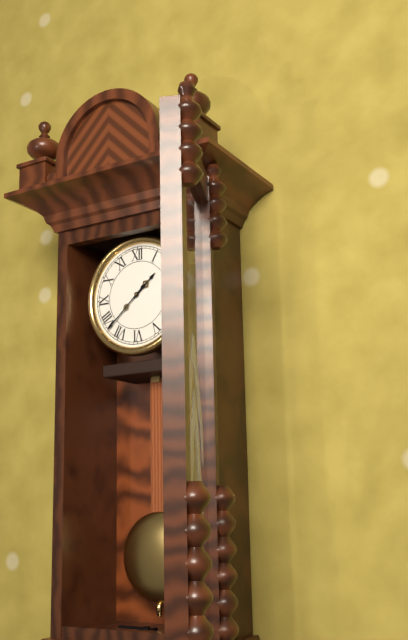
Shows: 1:38
